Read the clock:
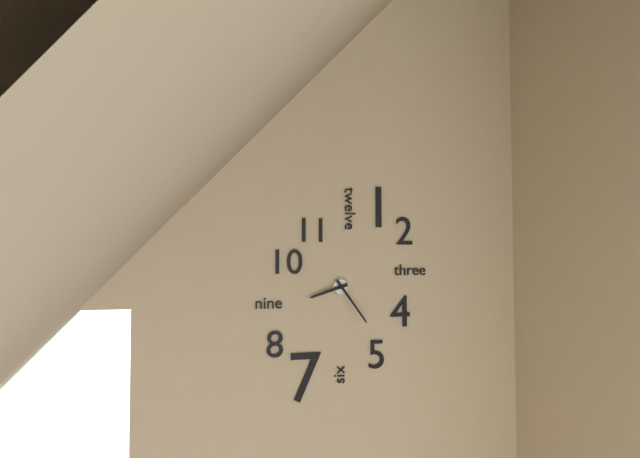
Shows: 8:24
